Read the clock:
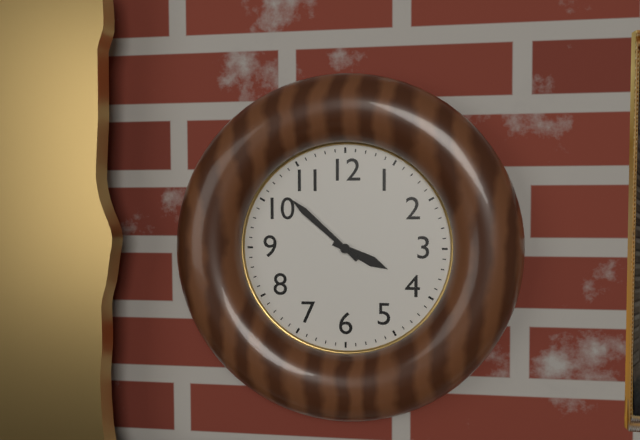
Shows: 3:52
